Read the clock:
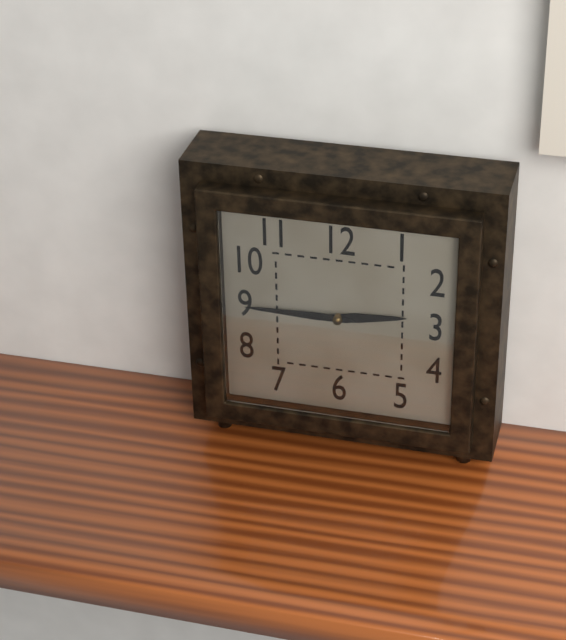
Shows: 2:45
